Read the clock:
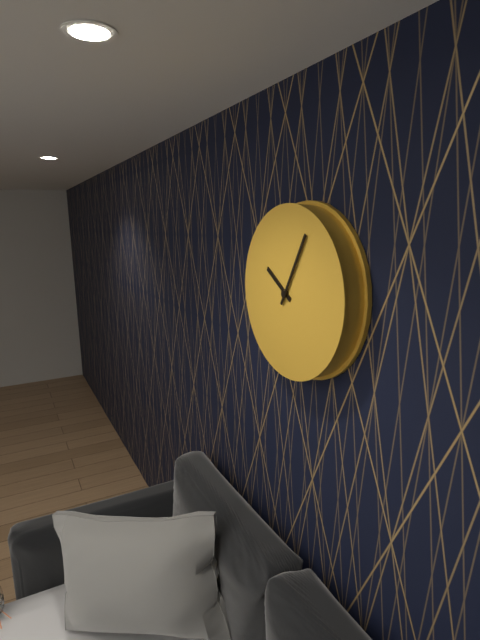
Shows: 10:05
